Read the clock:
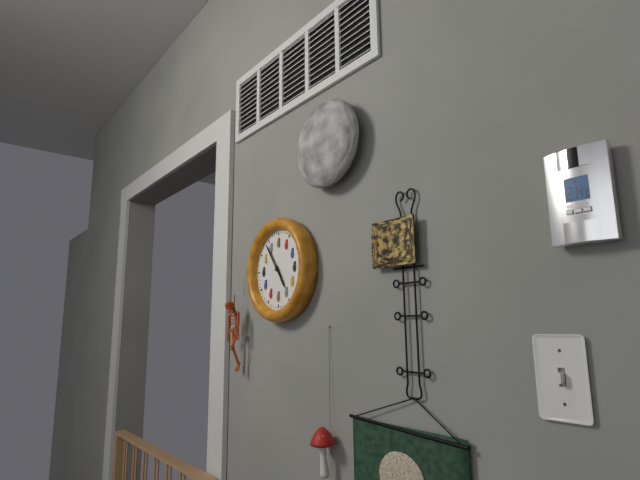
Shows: 4:54
